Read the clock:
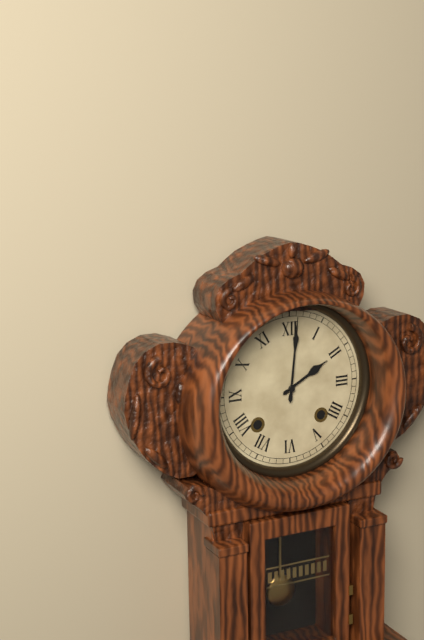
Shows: 2:01
